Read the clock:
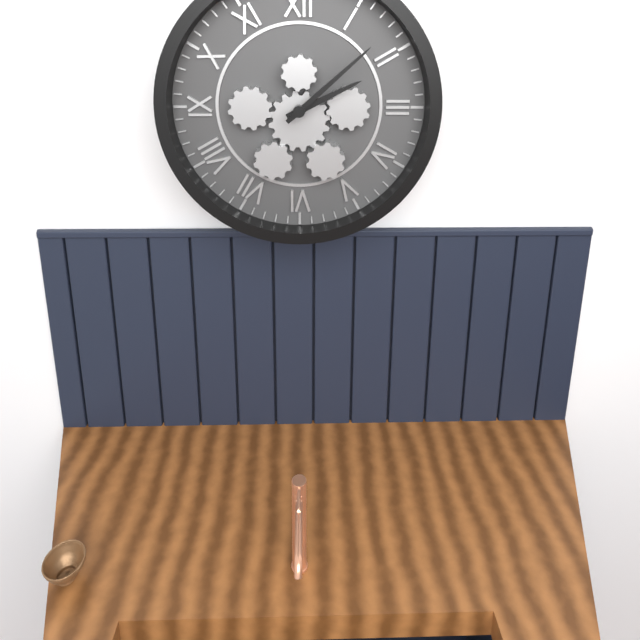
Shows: 2:08
